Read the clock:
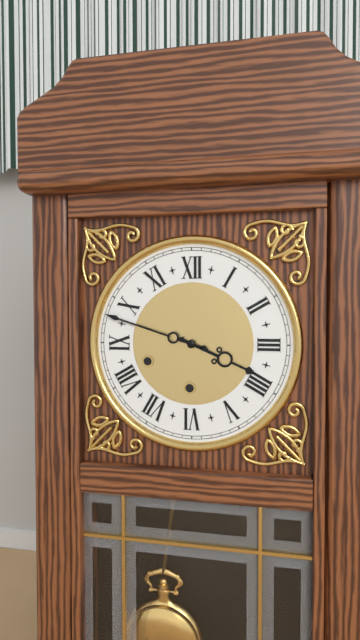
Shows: 3:48
